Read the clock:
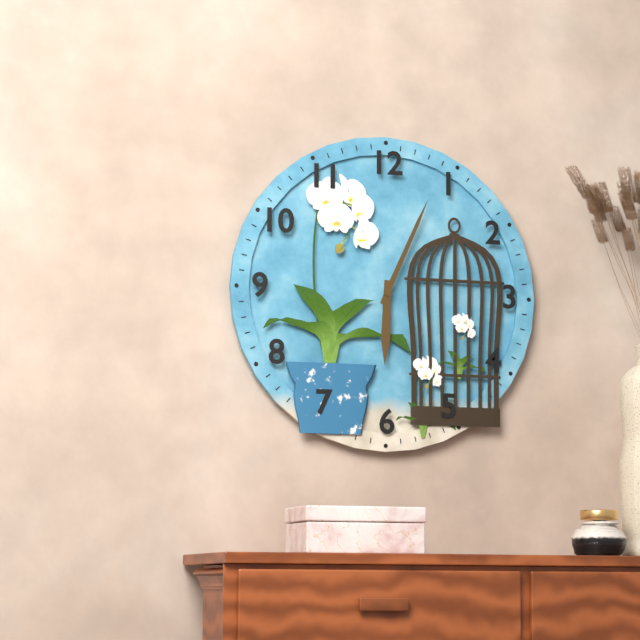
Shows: 6:04
